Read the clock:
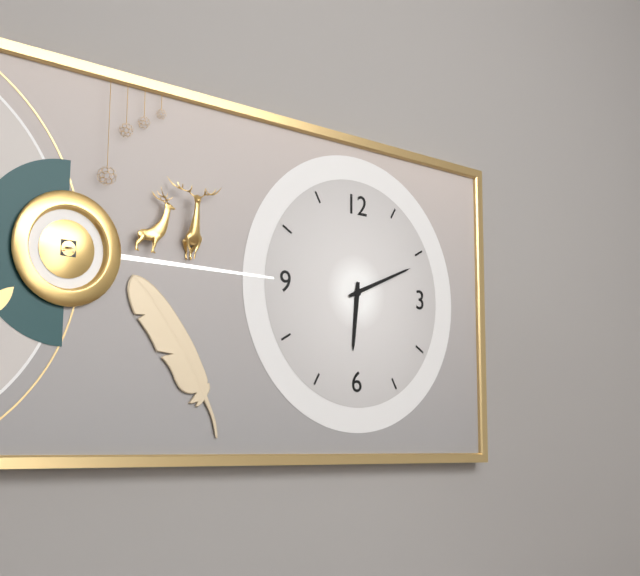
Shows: 6:11
